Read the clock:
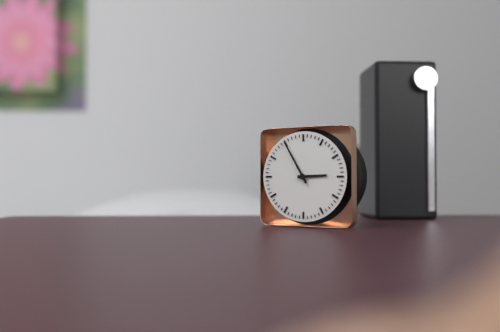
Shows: 2:55
